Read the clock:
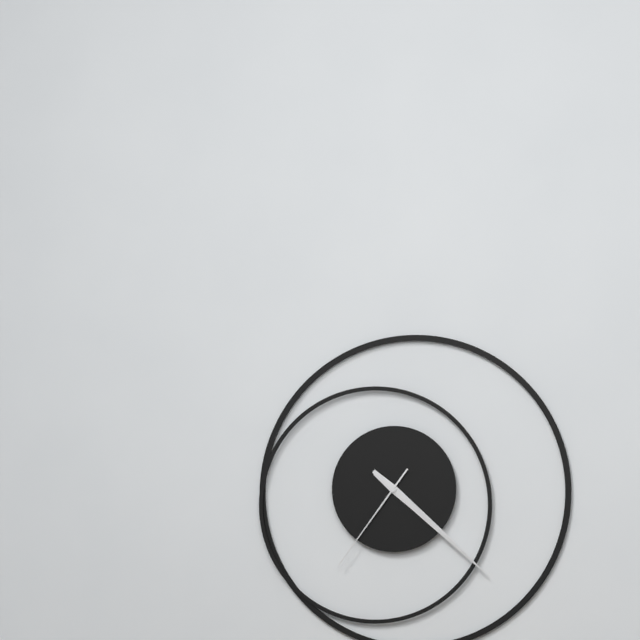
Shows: 4:22:36
